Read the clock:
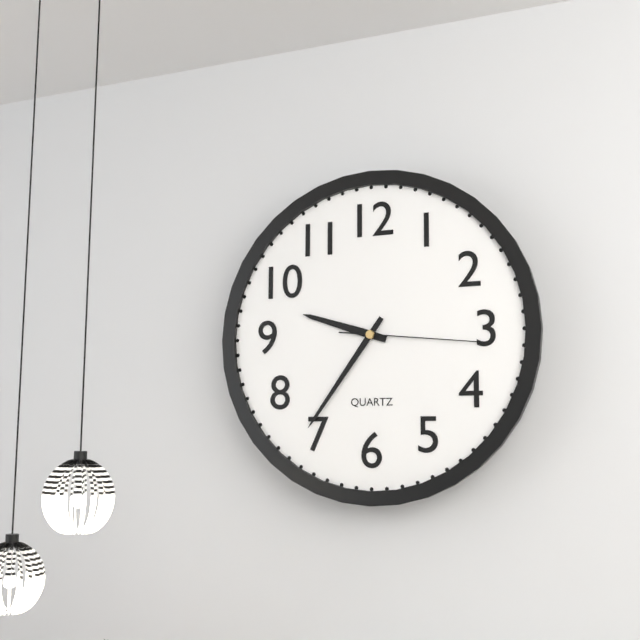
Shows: 9:36:16
